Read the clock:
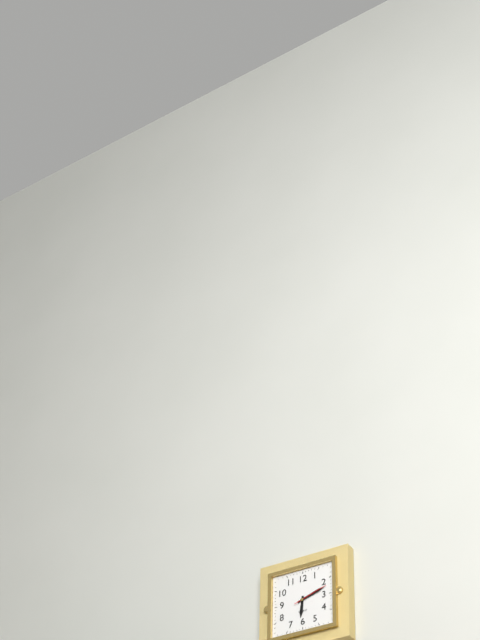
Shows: 6:12
